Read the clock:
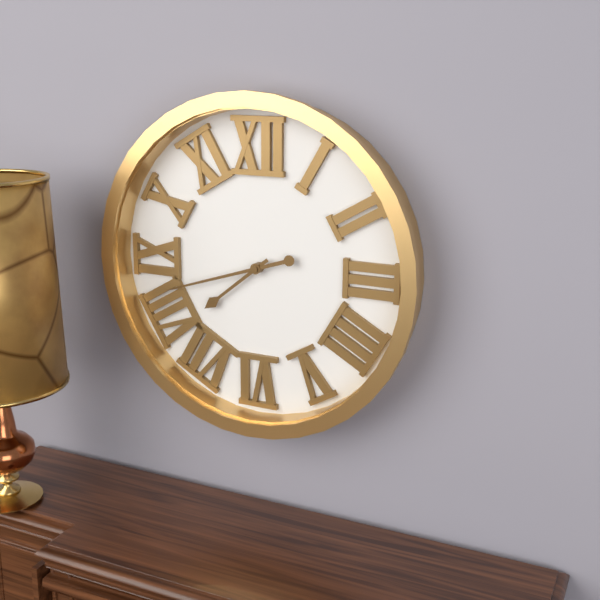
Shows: 7:42
